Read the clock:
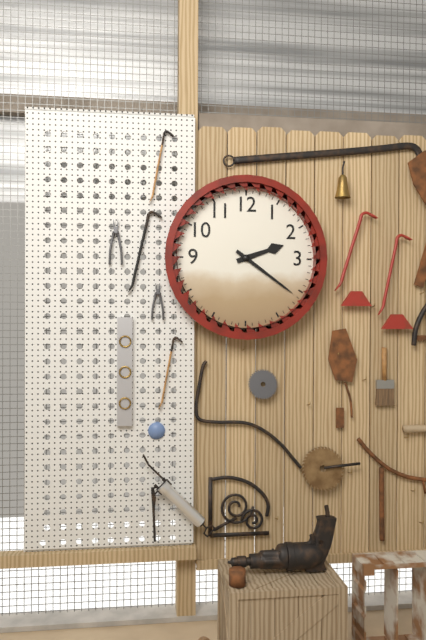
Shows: 2:21
